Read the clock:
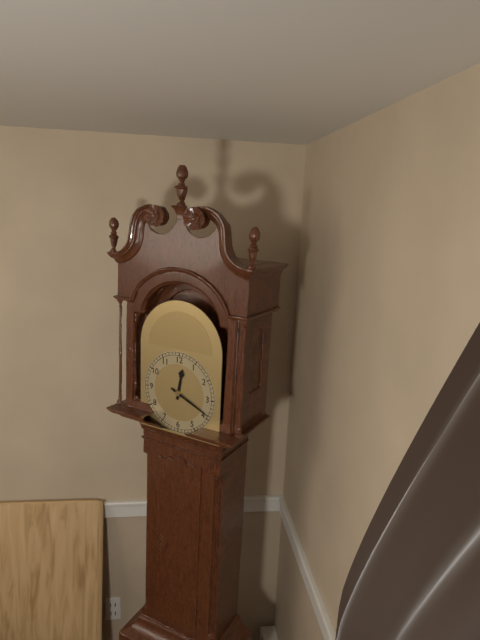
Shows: 12:19
